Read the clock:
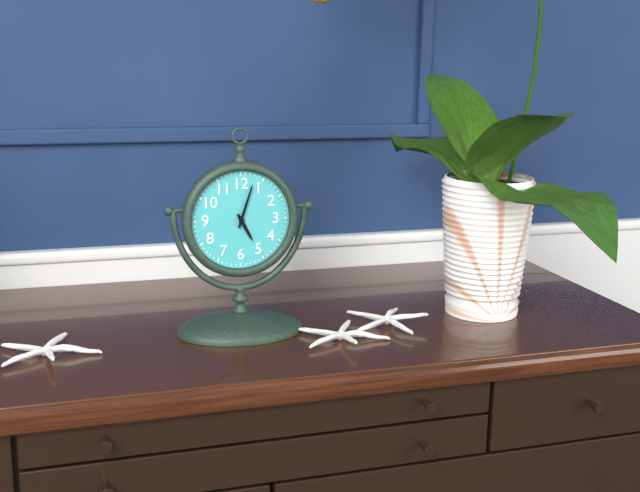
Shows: 5:03
